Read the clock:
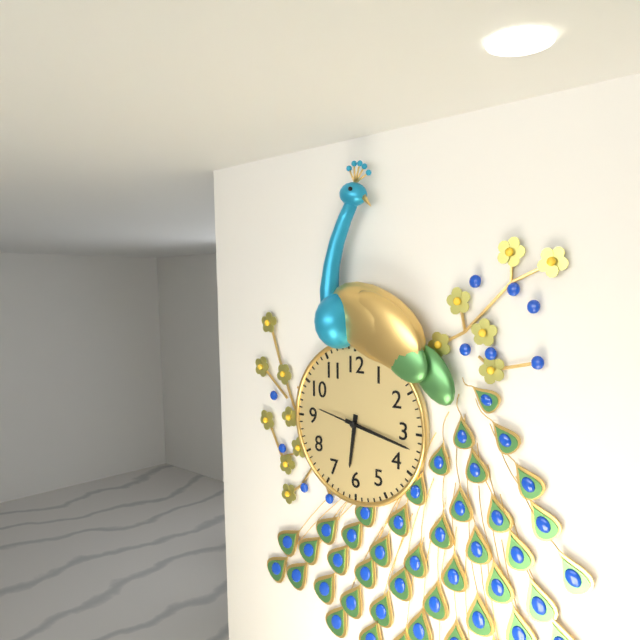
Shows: 6:17
